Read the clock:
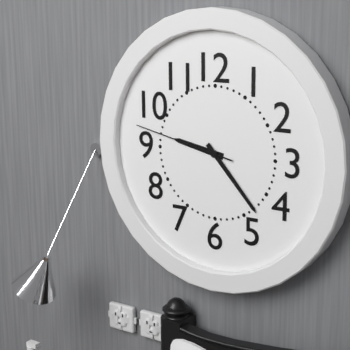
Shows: 9:23:47
